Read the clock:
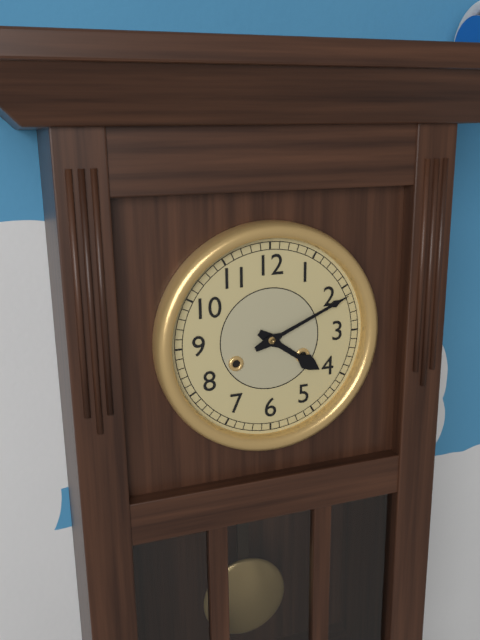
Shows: 4:11
